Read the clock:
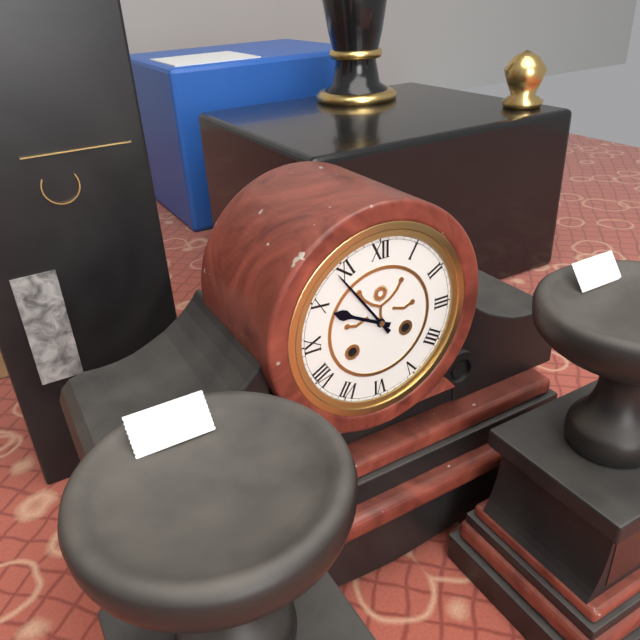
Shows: 9:54
